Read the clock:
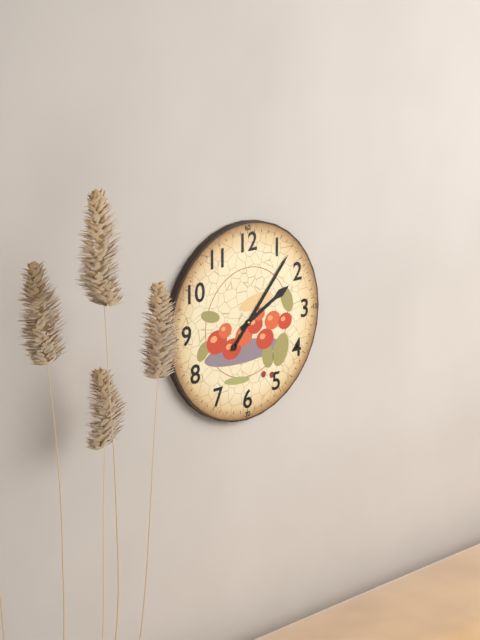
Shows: 2:07
